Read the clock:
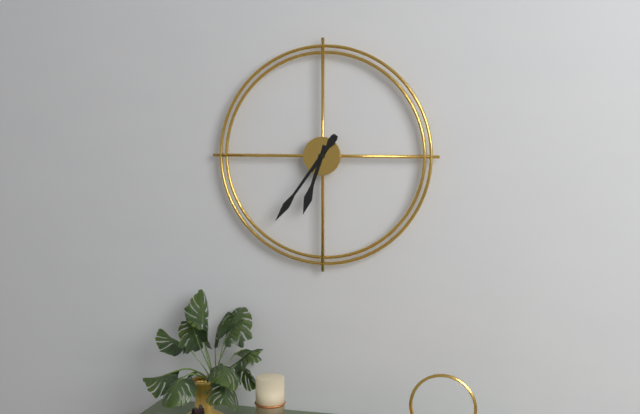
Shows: 6:36
